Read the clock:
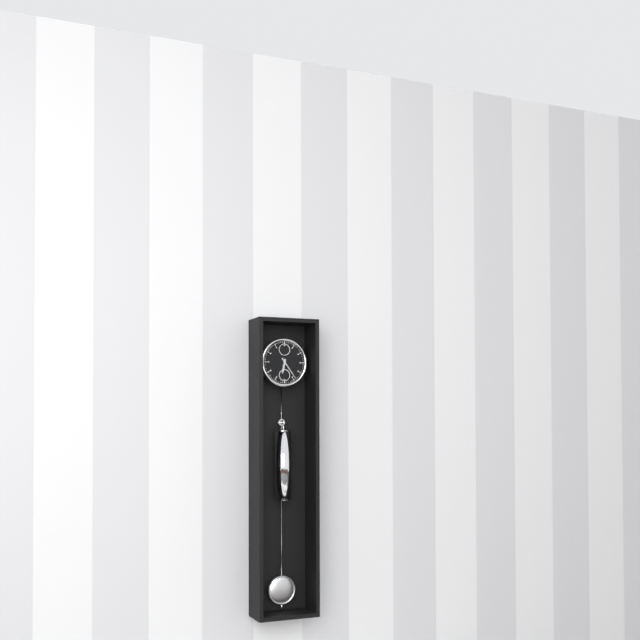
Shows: 6:24
